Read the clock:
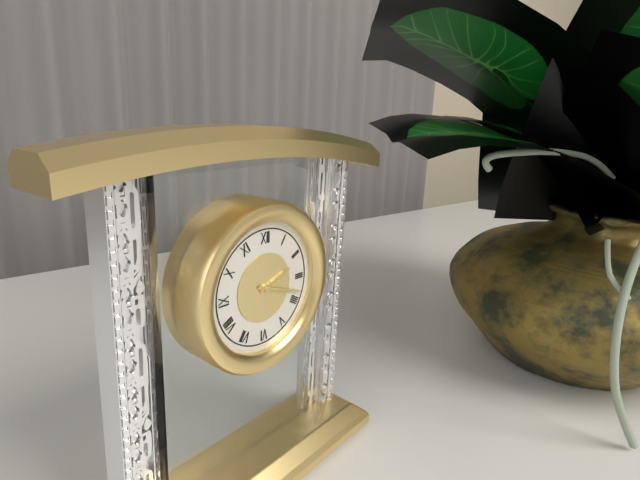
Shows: 2:18
